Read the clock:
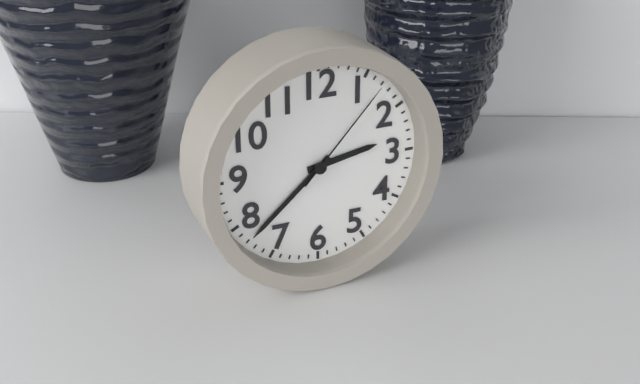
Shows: 2:38:07
